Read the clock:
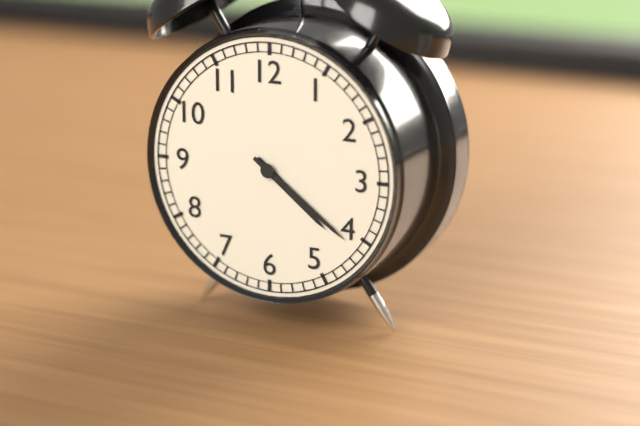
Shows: 4:21
